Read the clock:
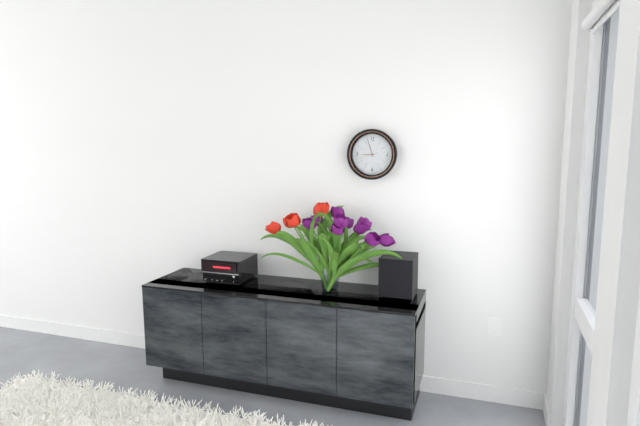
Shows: 8:57
